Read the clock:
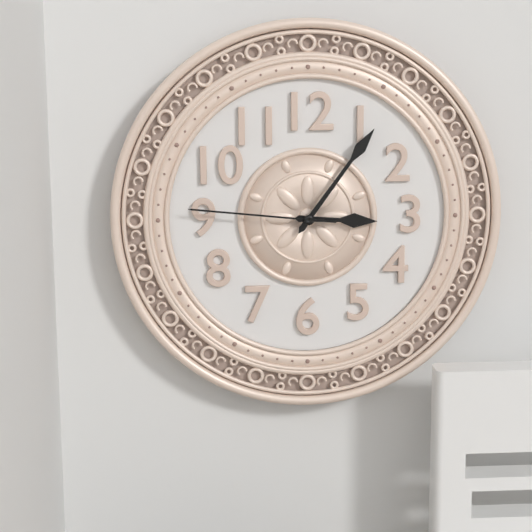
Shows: 3:06:46
